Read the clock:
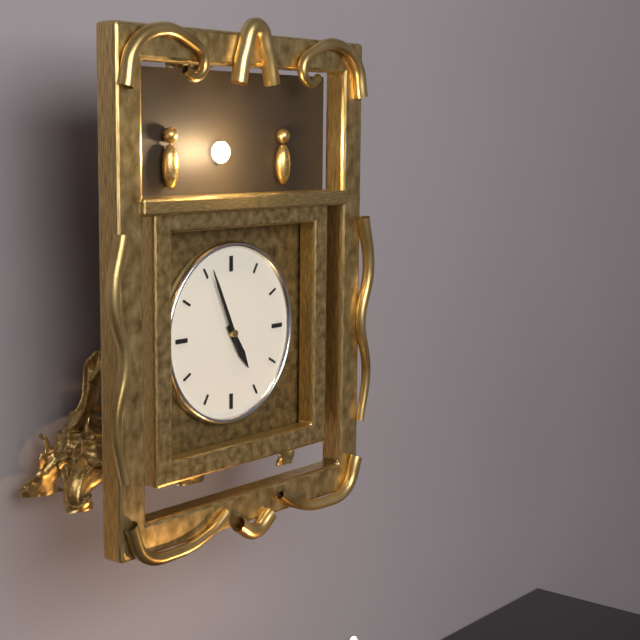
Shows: 4:56
